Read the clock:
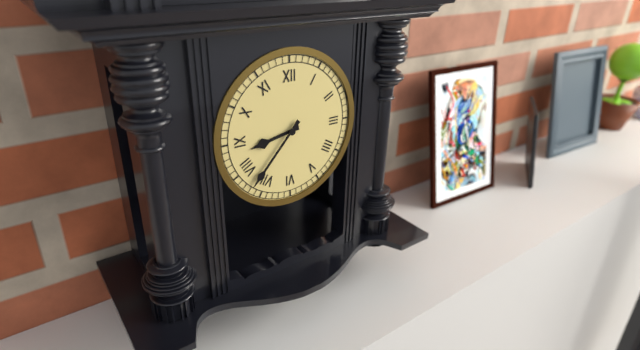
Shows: 8:37
